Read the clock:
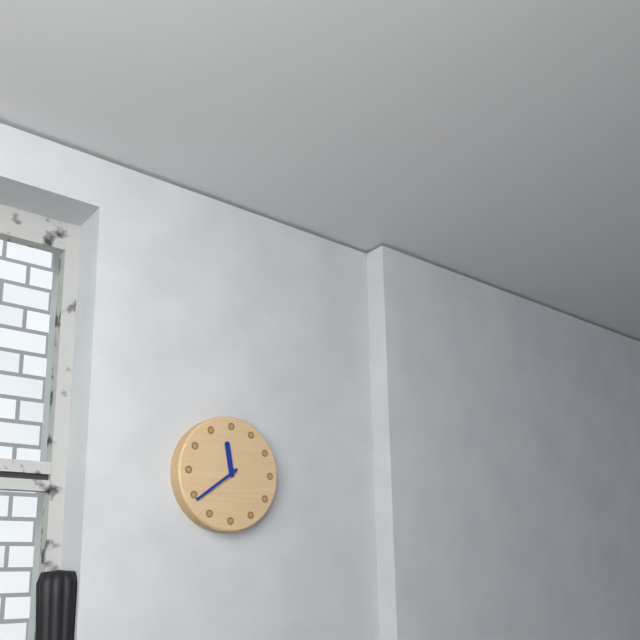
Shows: 11:39
